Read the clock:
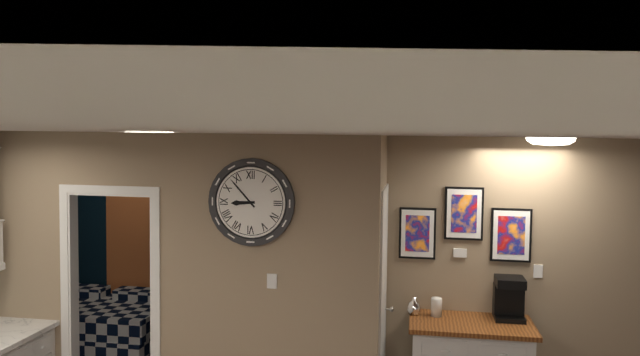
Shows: 8:53
